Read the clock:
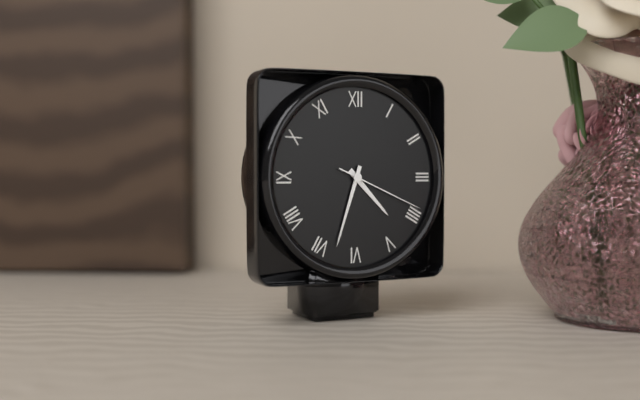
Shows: 4:33:19
